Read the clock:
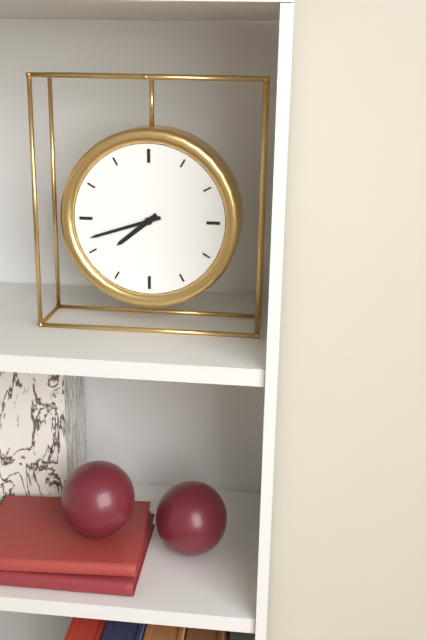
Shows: 7:42
